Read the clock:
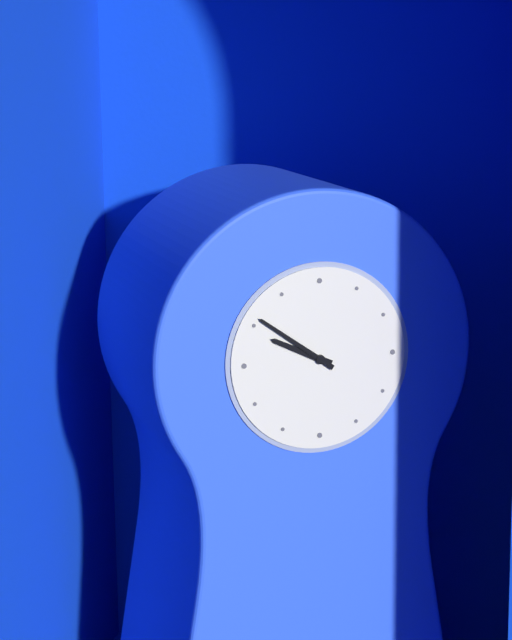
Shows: 9:51
